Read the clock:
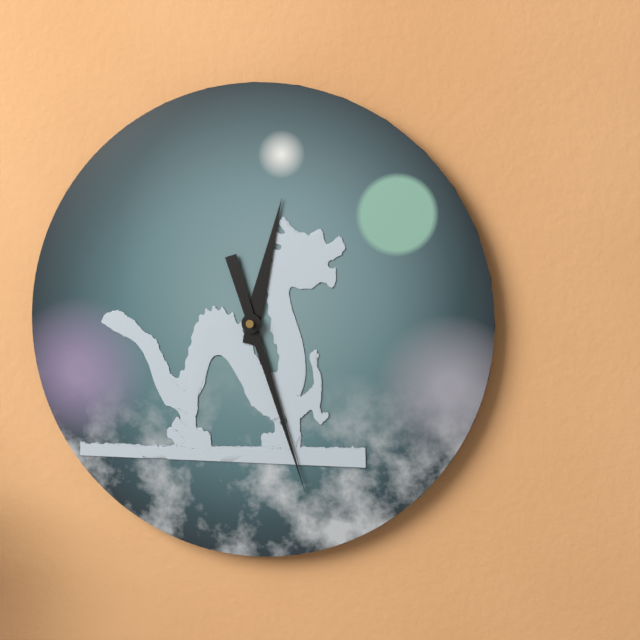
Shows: 12:27
